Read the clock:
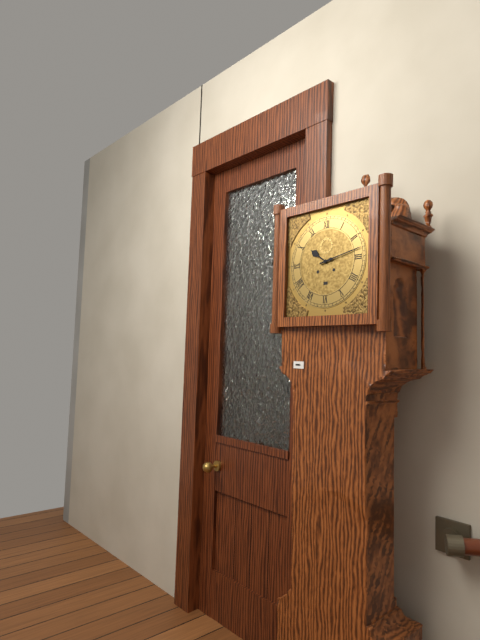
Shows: 10:13
